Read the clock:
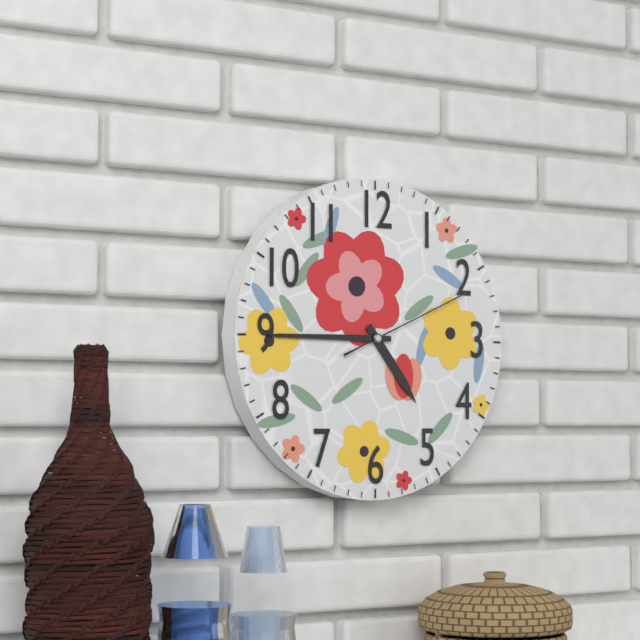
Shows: 4:45:11
